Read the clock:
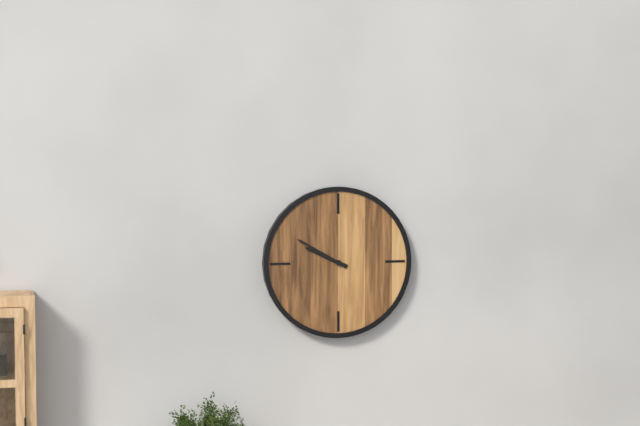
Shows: 9:50
